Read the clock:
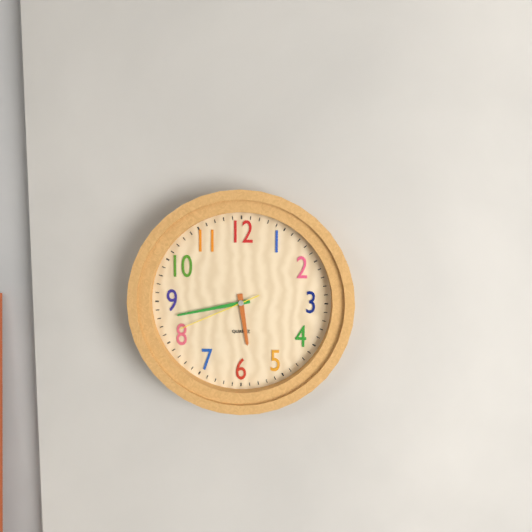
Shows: 5:43:41
